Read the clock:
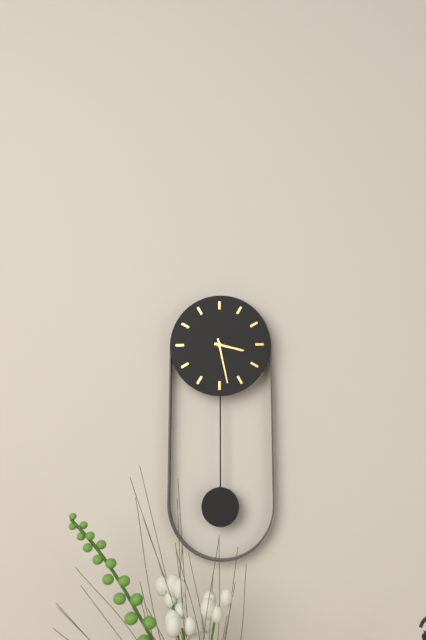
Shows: 3:28
